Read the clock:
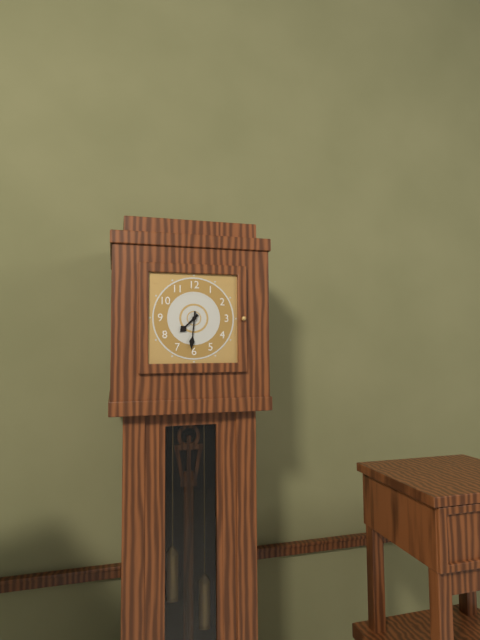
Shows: 7:31
